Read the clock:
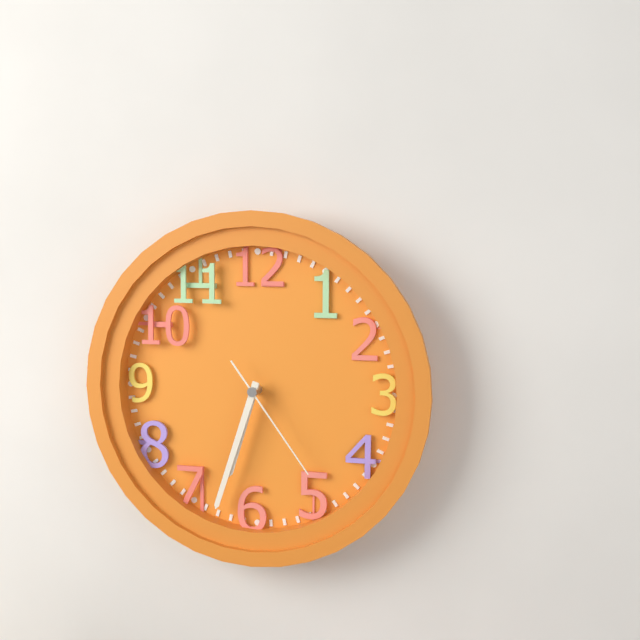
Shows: 6:33:24
